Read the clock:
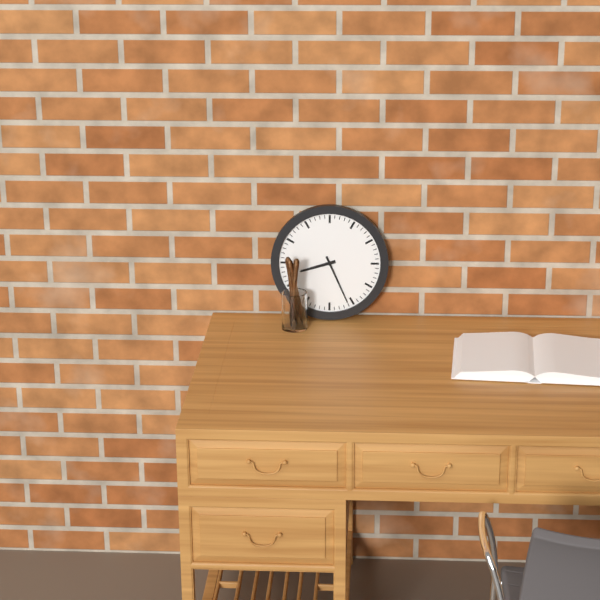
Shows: 8:26
